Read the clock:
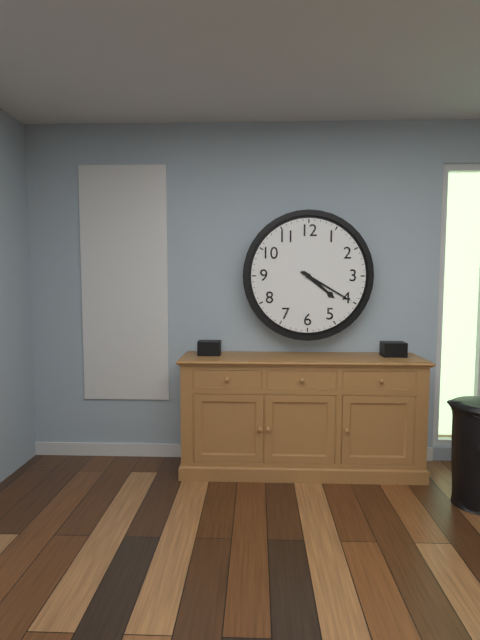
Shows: 4:20
